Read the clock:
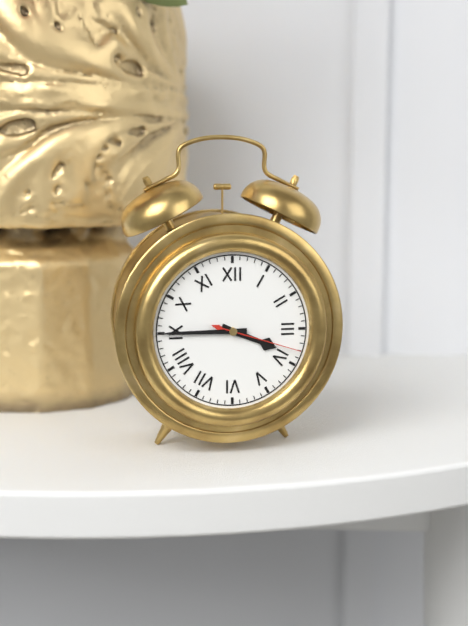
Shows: 3:45:18
